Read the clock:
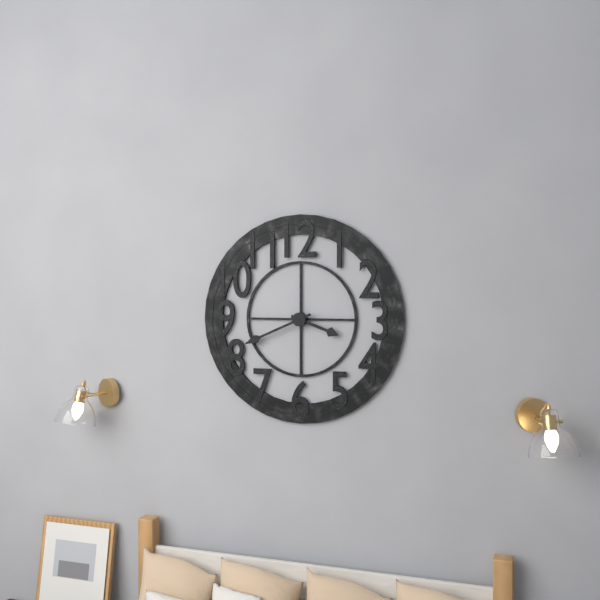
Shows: 3:41
